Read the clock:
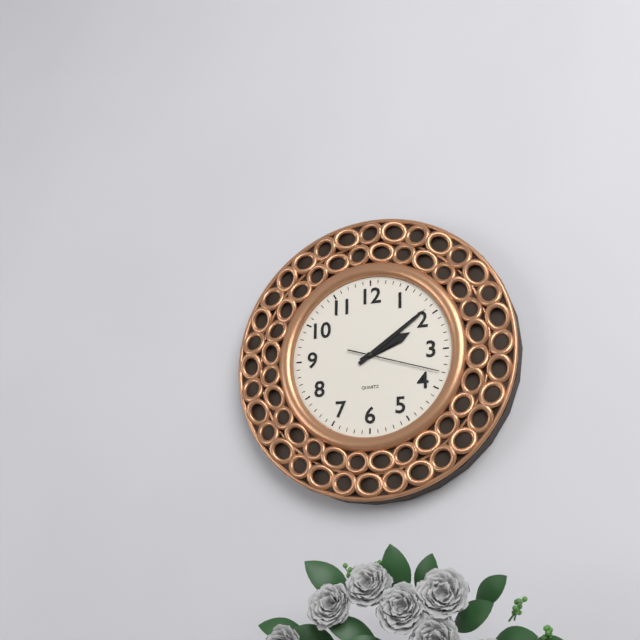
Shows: 2:09:18
